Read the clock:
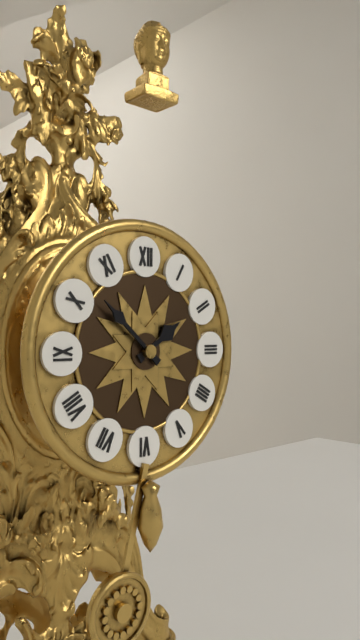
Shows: 1:52
